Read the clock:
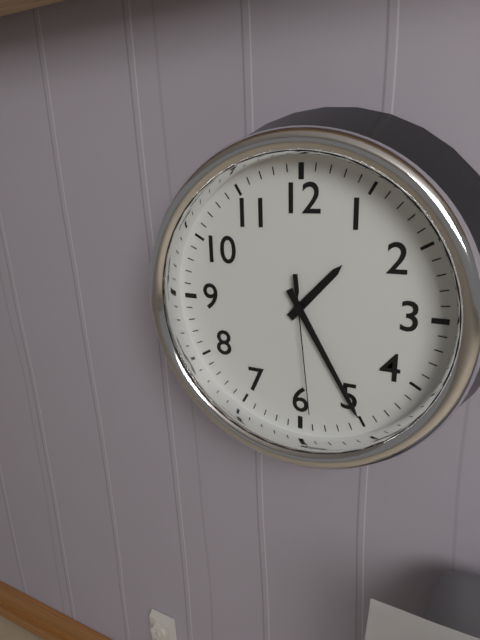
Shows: 1:25:29
